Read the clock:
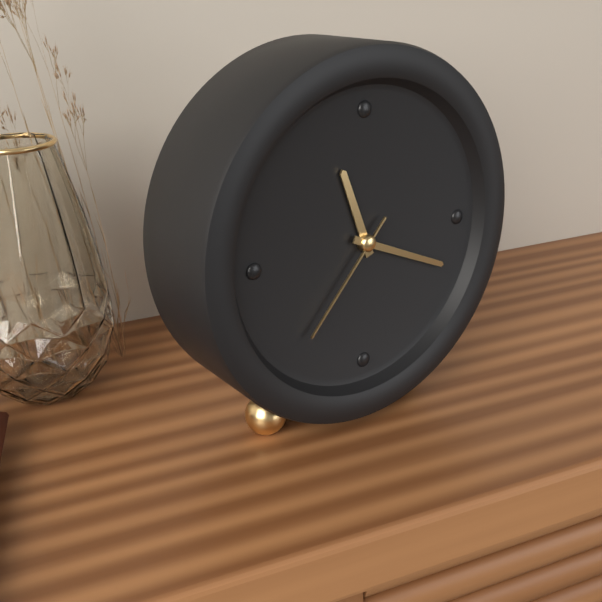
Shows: 11:19:37
